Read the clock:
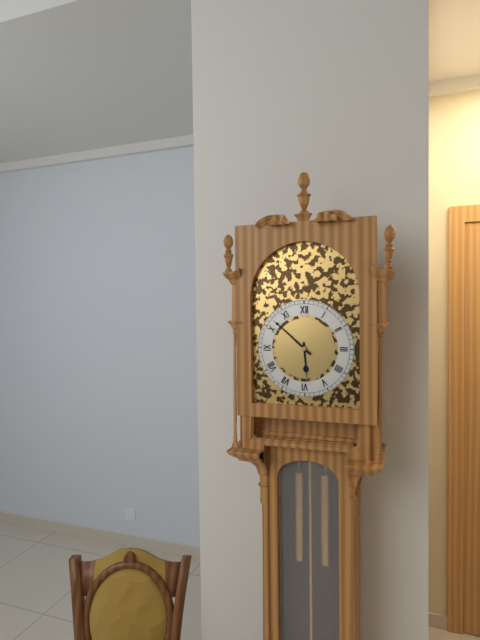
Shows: 5:52
